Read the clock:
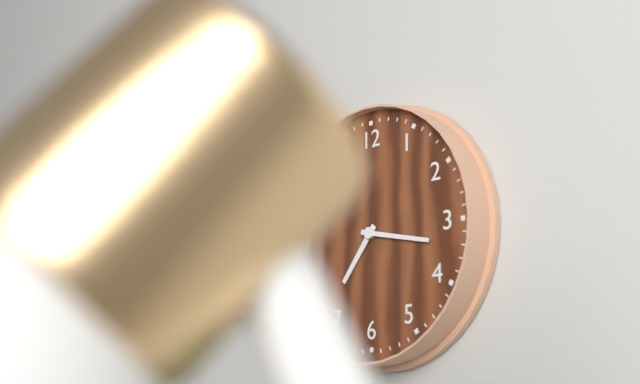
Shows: 7:17
